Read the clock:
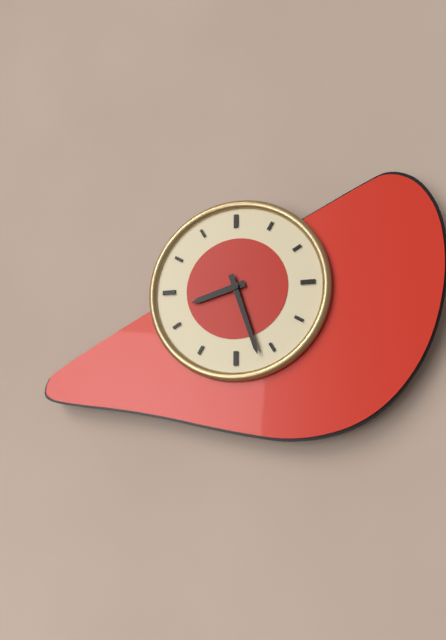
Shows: 8:27
